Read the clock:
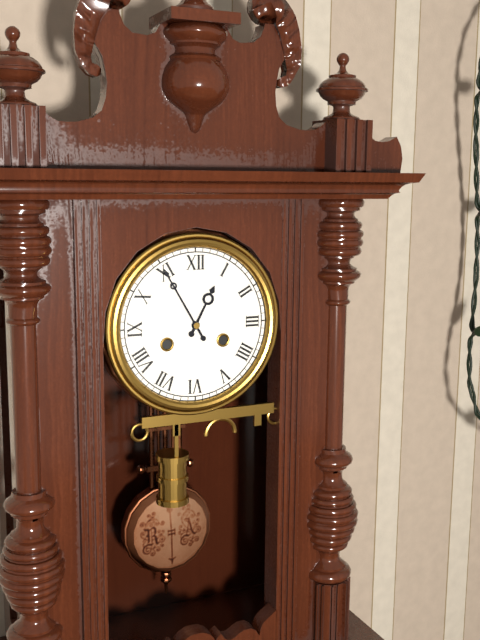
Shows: 12:55
